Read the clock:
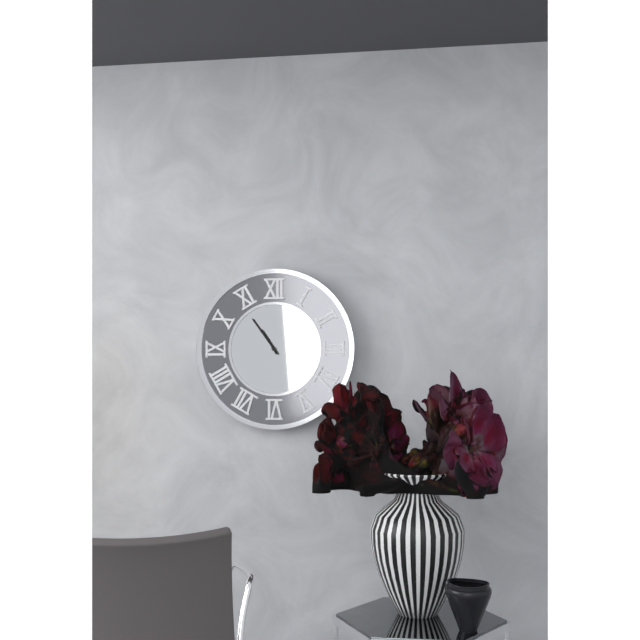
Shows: 10:54
